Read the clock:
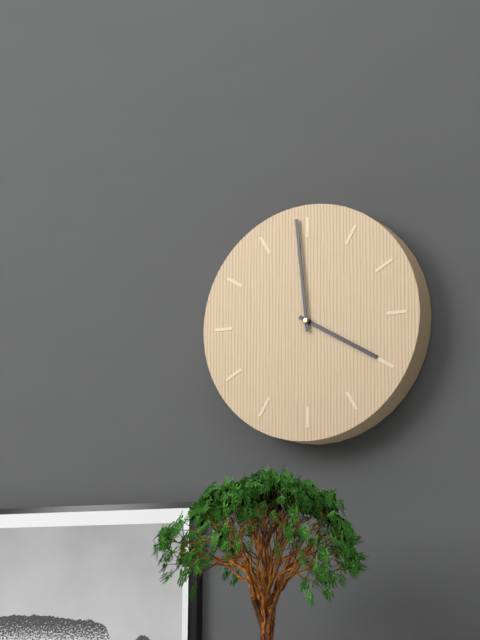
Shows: 3:59
